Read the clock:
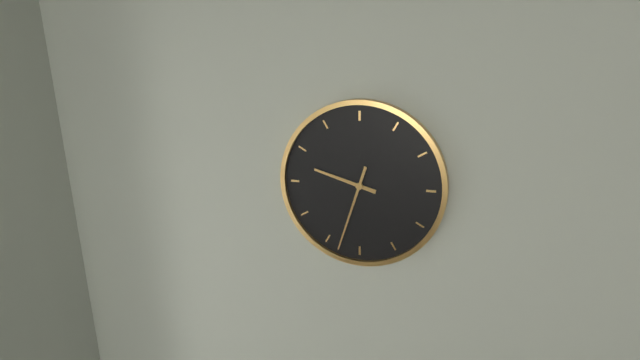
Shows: 9:33
